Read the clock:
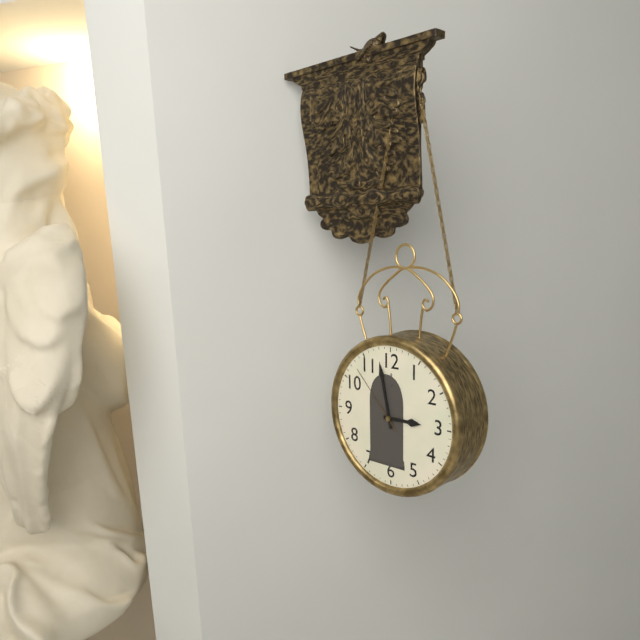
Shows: 2:58:53
